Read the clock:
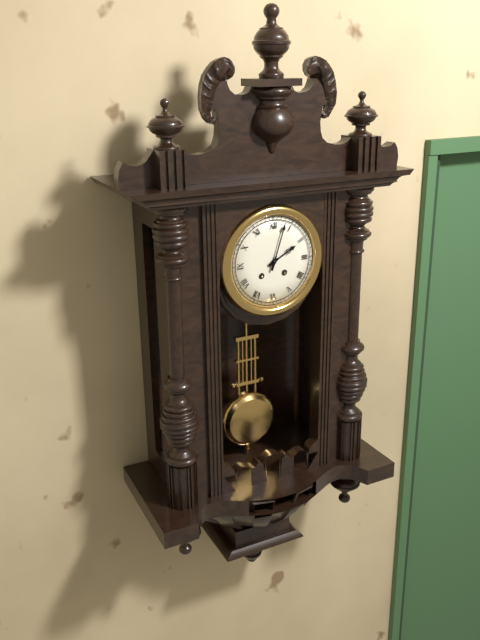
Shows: 2:03
